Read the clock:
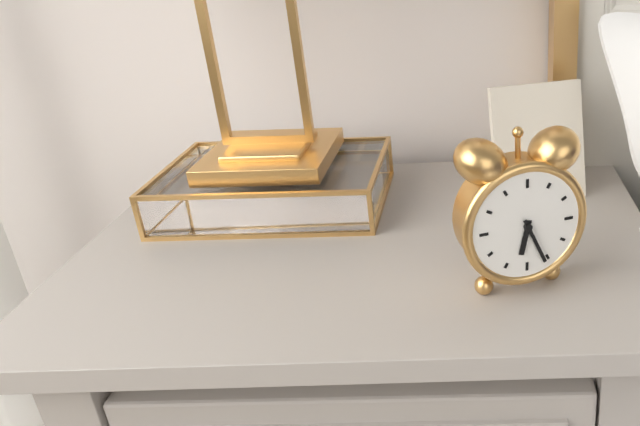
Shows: 6:26
